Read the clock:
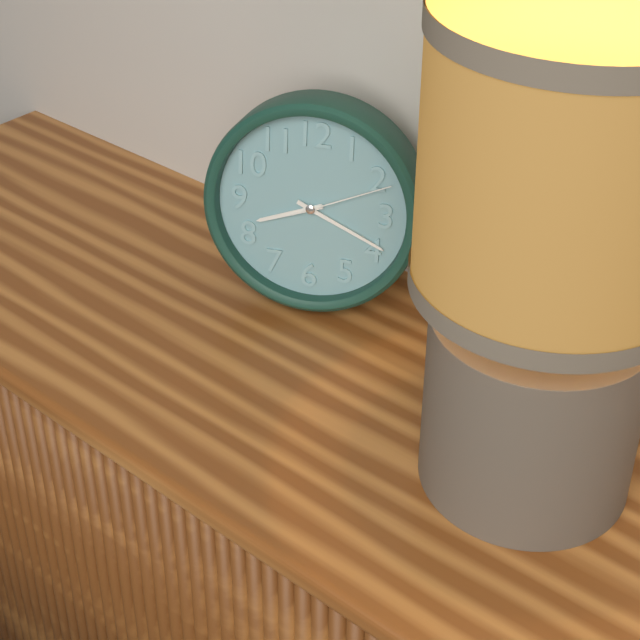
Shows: 8:19:11
